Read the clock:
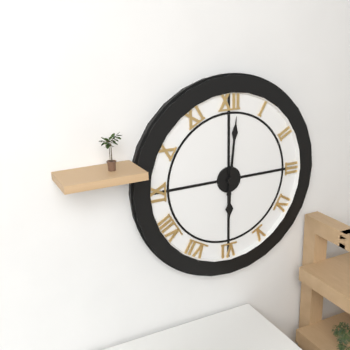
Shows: 6:01
